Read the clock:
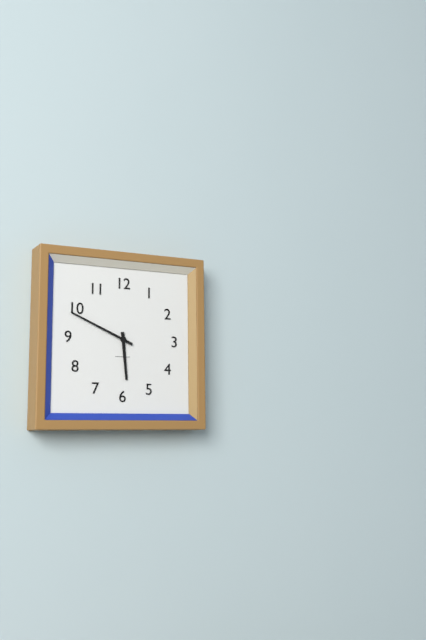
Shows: 5:49
